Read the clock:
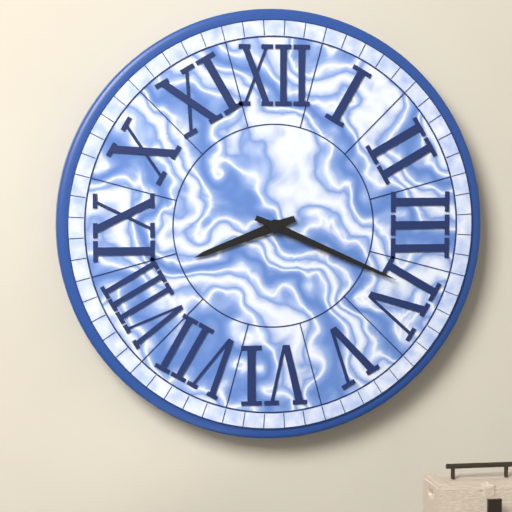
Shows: 8:19
